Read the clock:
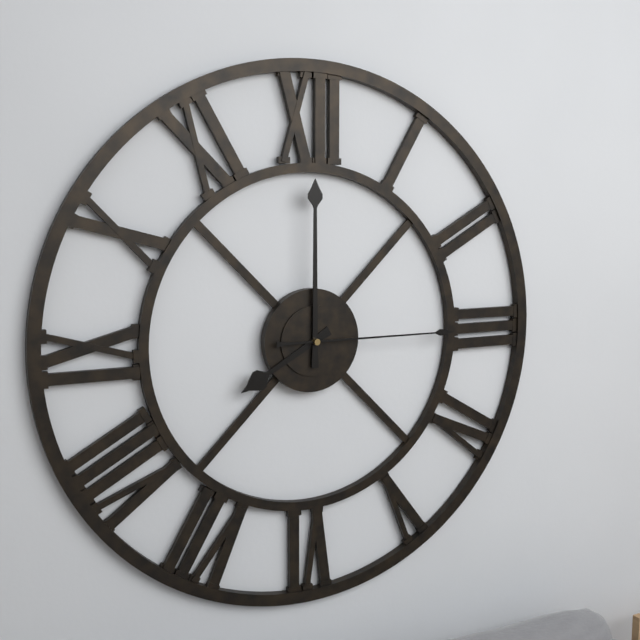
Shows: 8:00:15
